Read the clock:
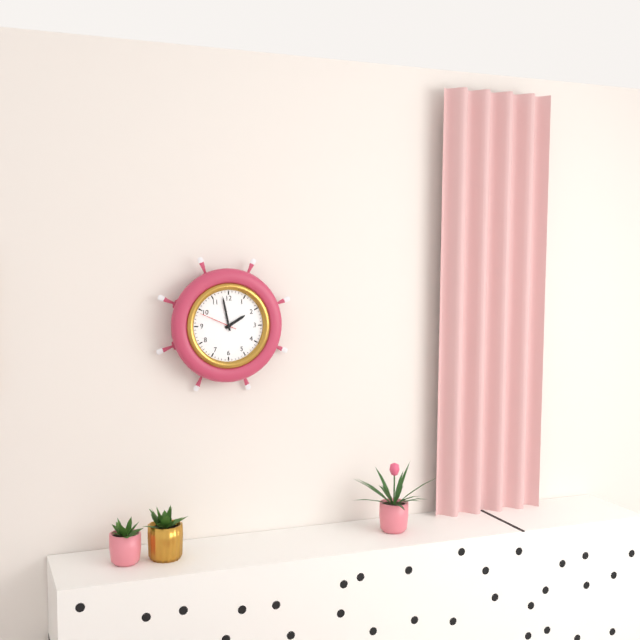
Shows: 1:58
